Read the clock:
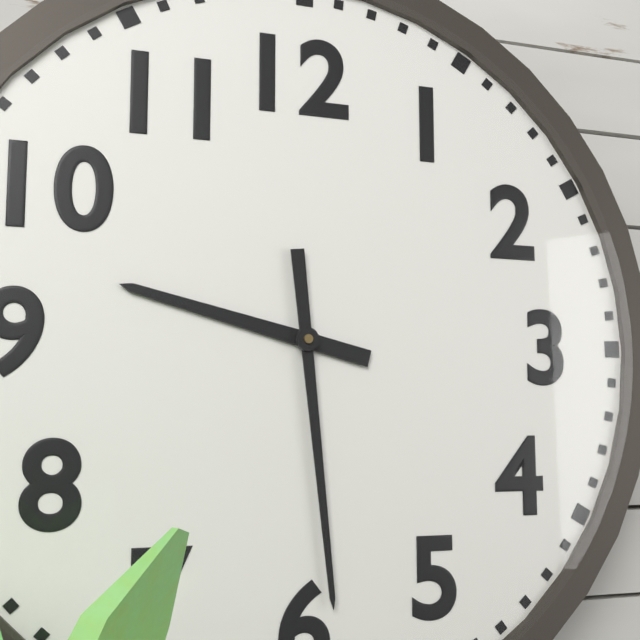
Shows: 9:29
